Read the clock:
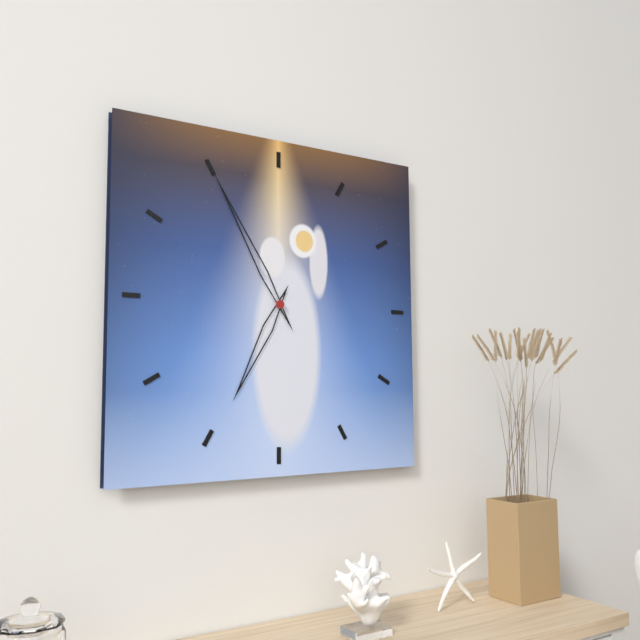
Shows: 6:55
